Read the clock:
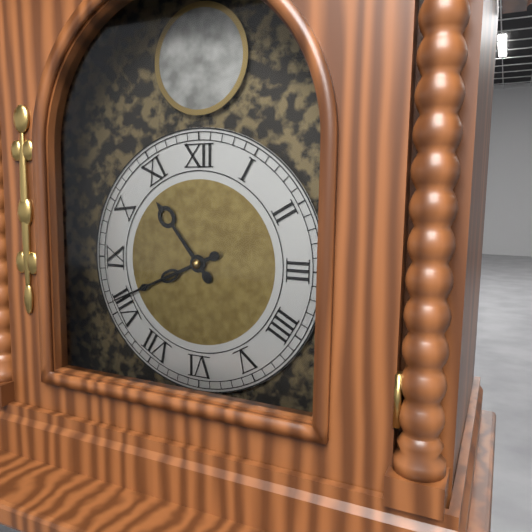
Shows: 10:41
